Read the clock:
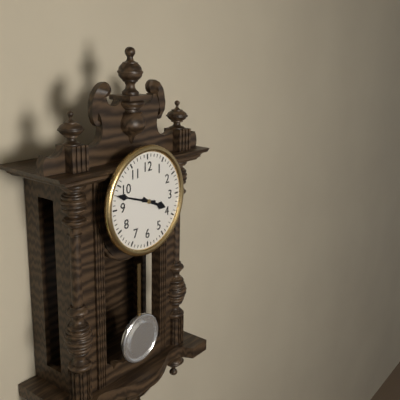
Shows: 3:48
